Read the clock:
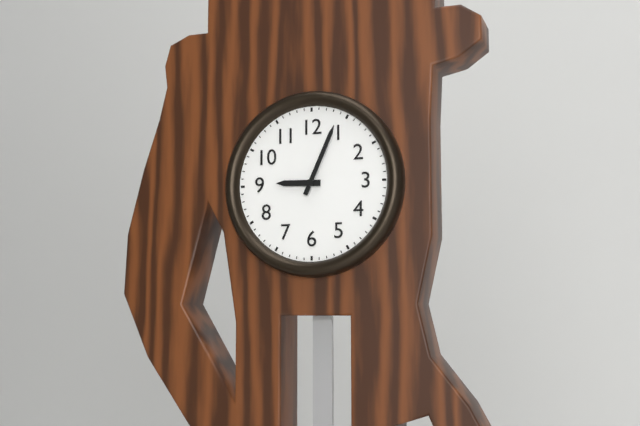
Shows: 9:04
